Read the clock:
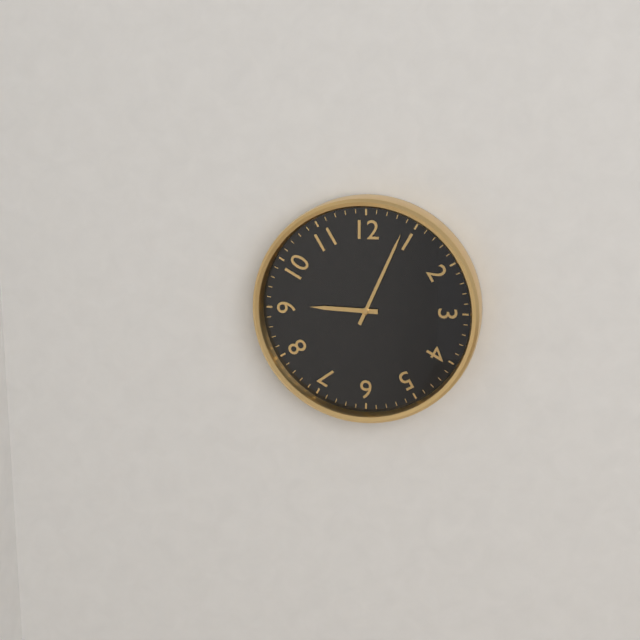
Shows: 9:04
